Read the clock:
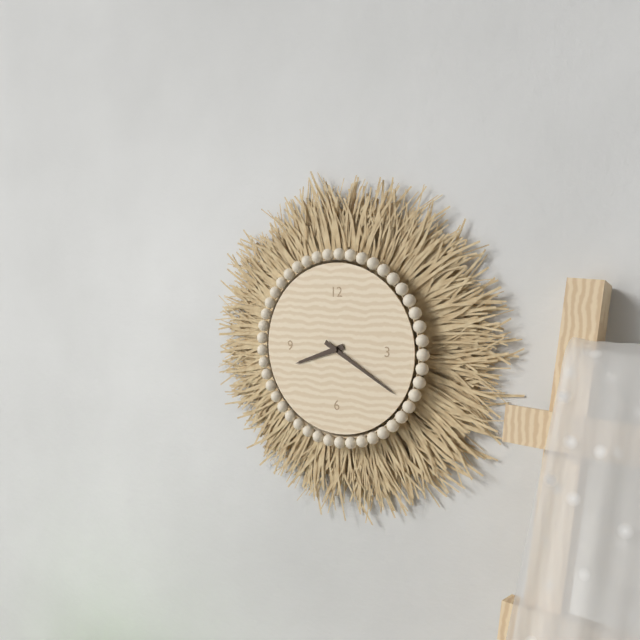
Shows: 8:20
